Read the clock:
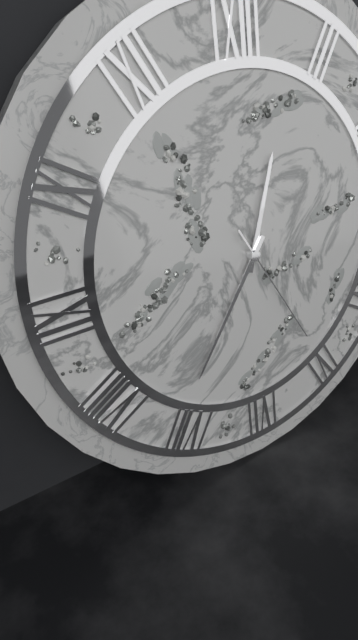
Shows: 12:36:25
